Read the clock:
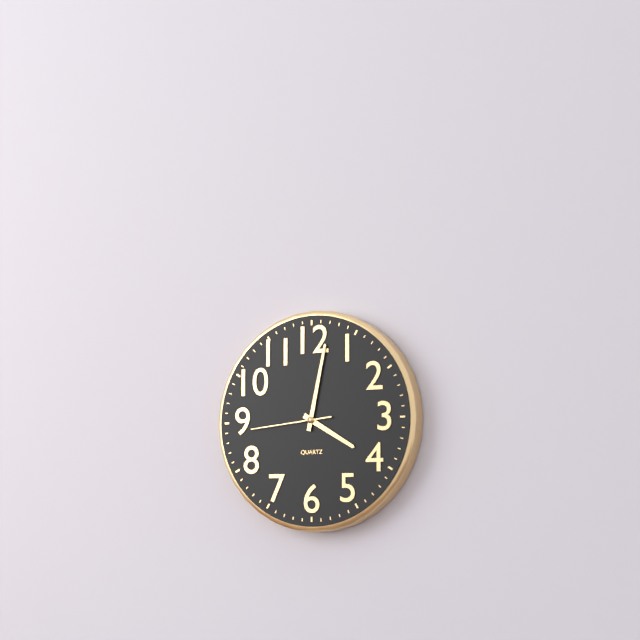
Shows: 4:02:44
